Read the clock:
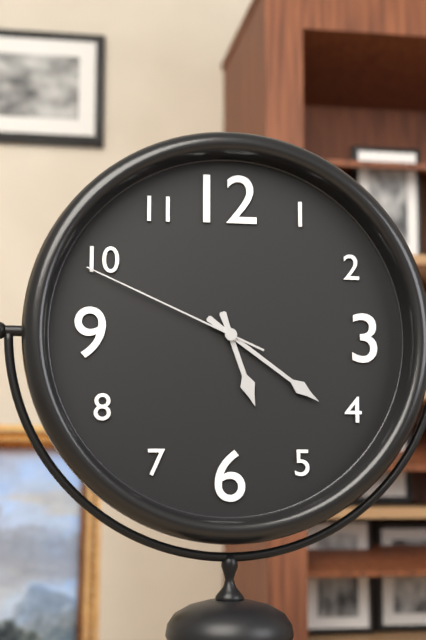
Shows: 5:21:49
